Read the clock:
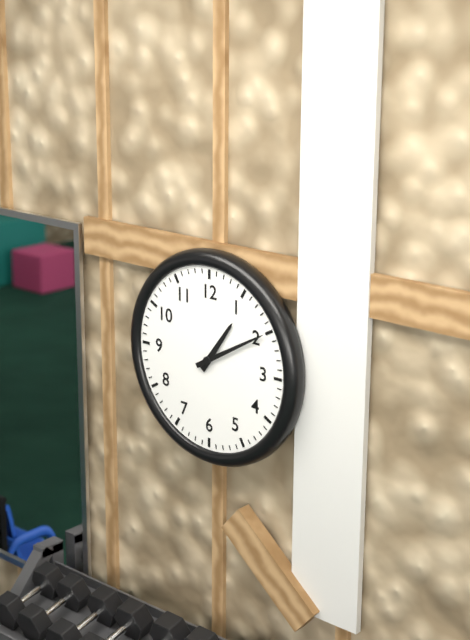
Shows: 1:10
